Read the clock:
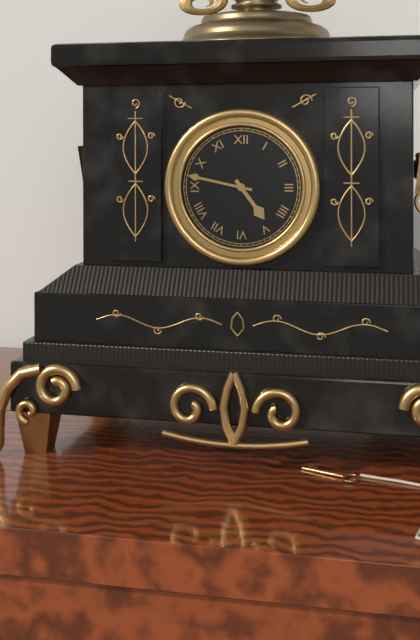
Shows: 4:47
